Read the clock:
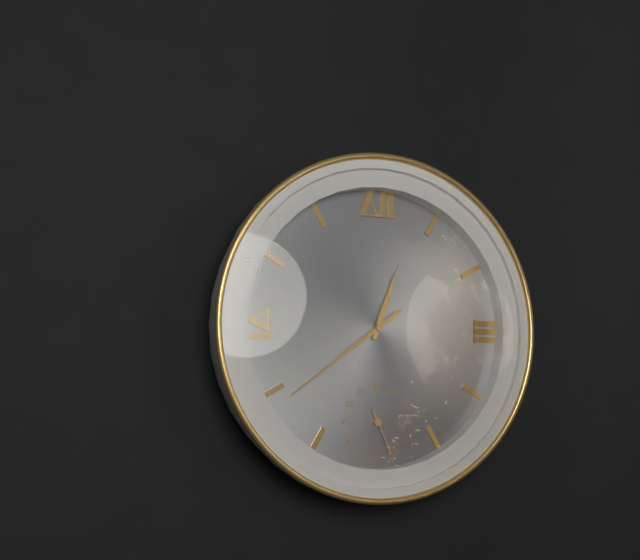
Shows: 12:39:26
